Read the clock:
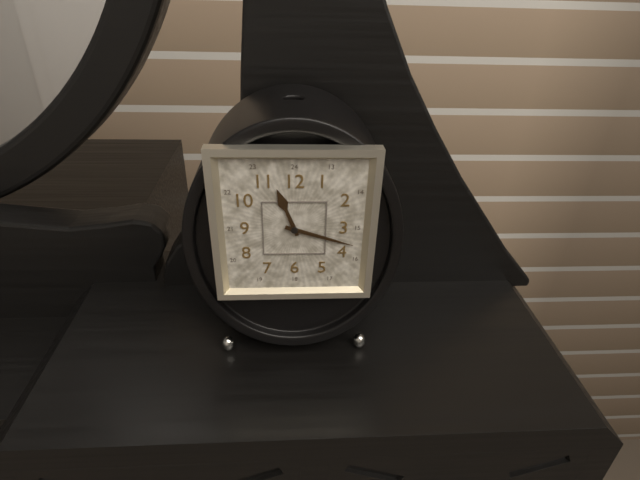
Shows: 11:18
